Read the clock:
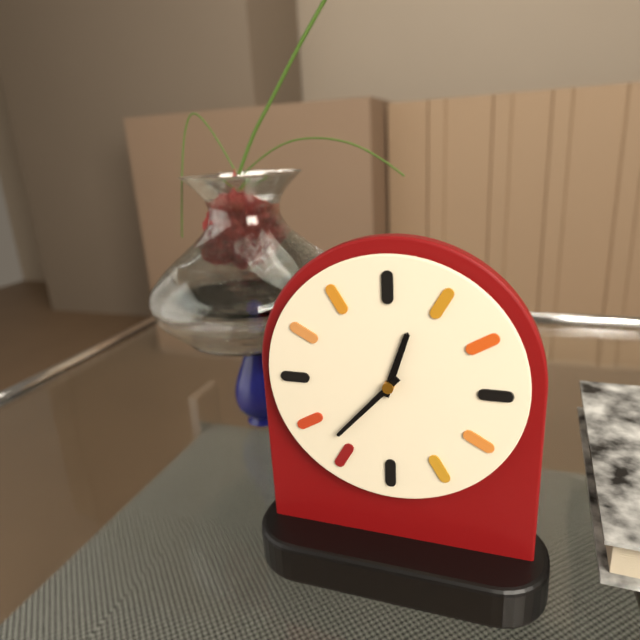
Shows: 12:37
